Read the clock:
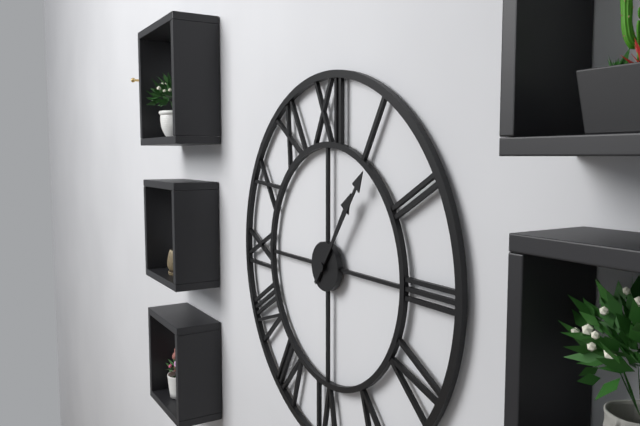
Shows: 1:06
